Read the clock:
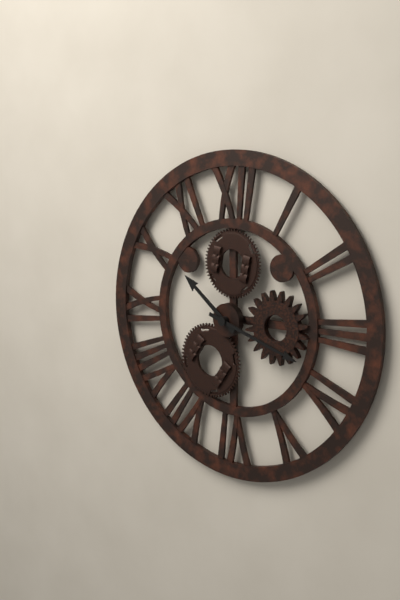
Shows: 10:18
